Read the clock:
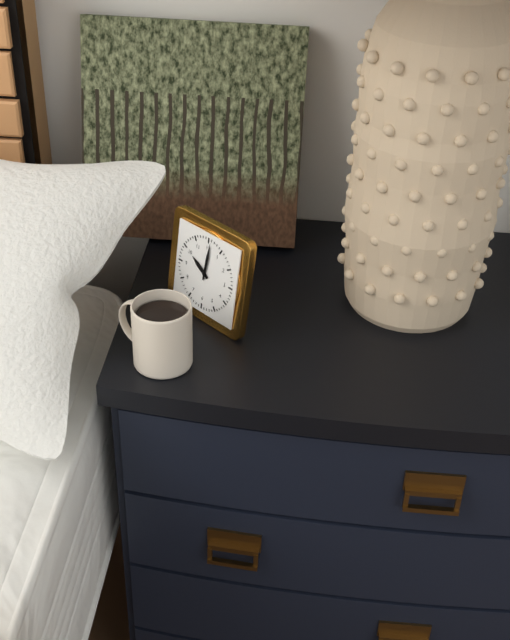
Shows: 10:01
